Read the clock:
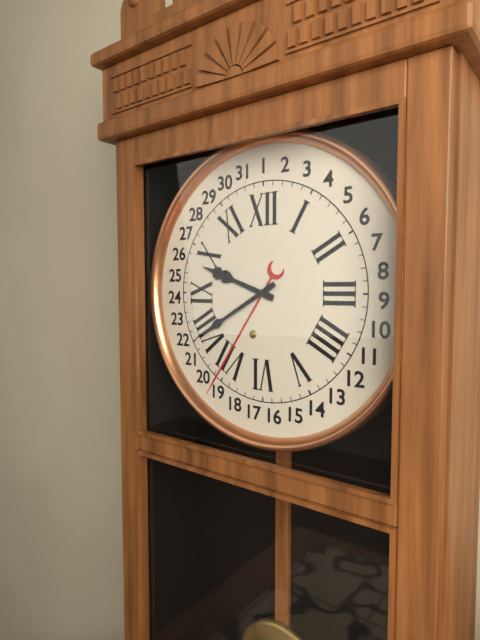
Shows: 9:40
